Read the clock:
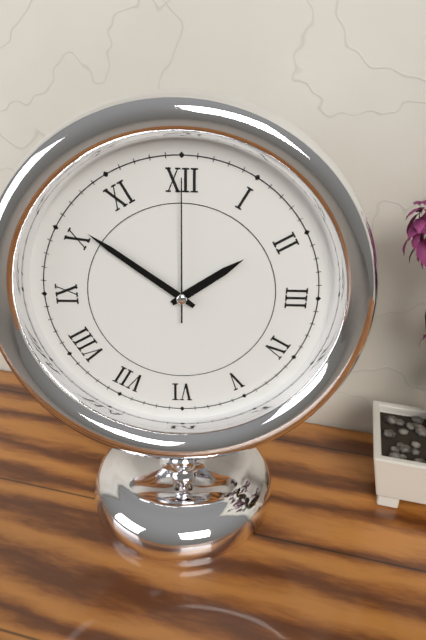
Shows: 1:51:00
